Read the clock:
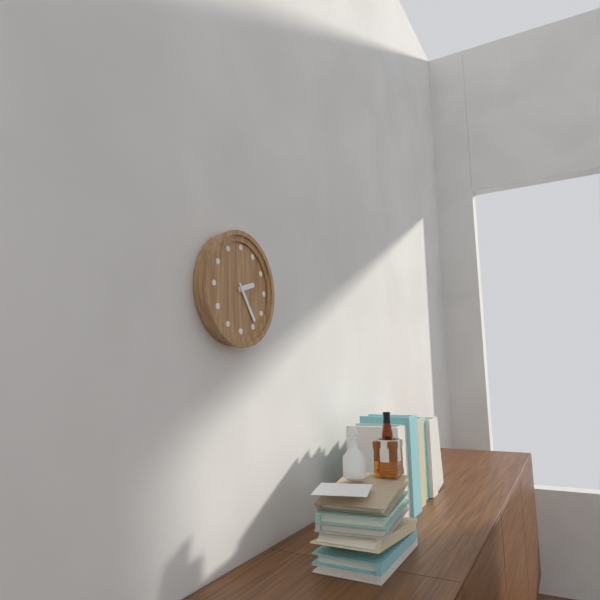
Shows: 2:24
